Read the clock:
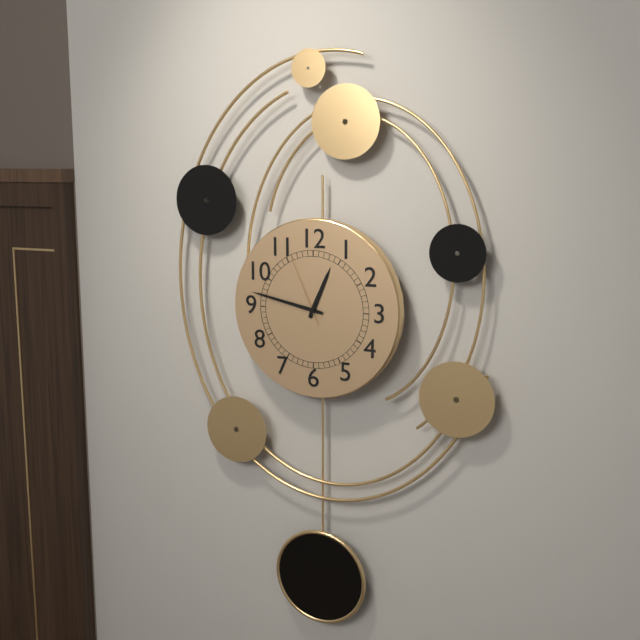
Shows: 12:47:56
